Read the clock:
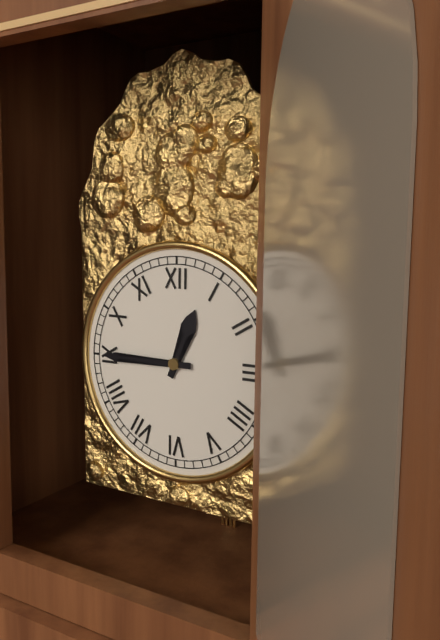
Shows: 12:45
